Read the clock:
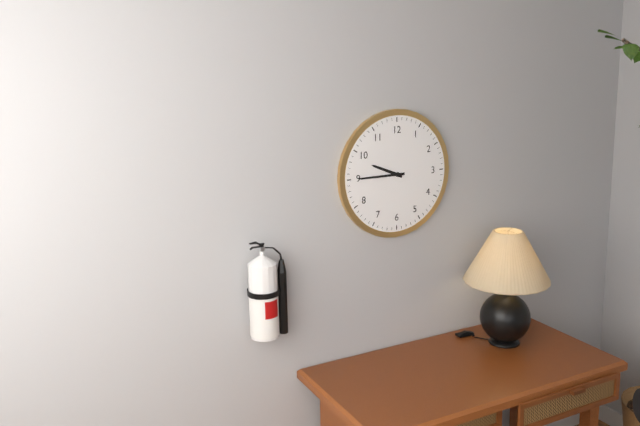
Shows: 9:45
